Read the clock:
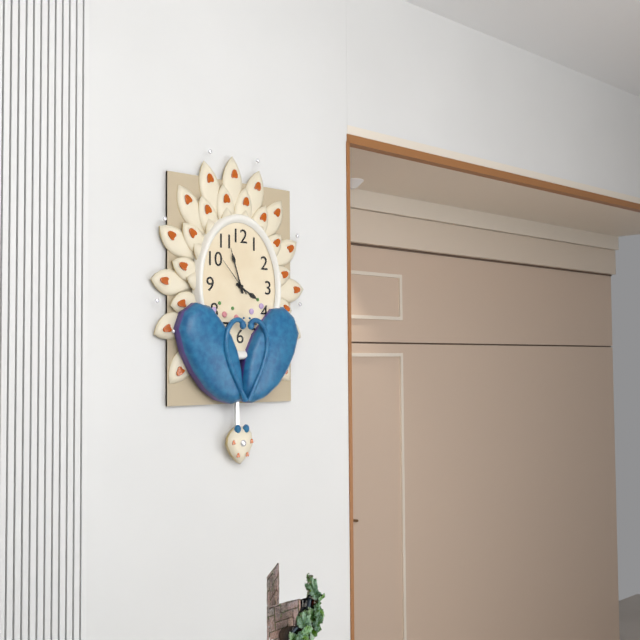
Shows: 3:57
